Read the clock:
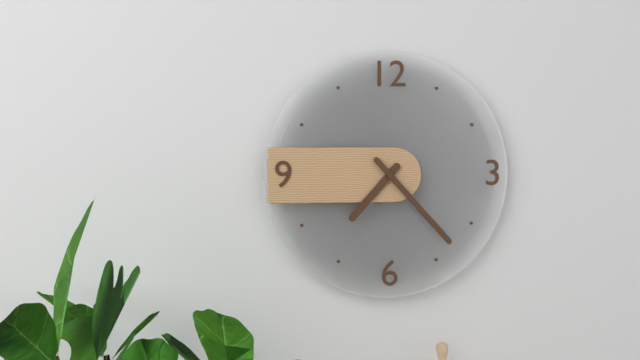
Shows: 7:23
